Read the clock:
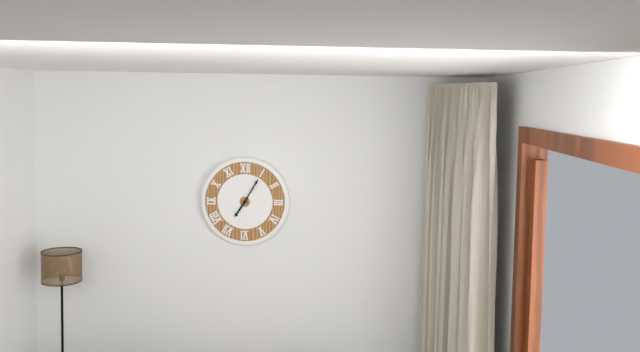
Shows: 7:05
